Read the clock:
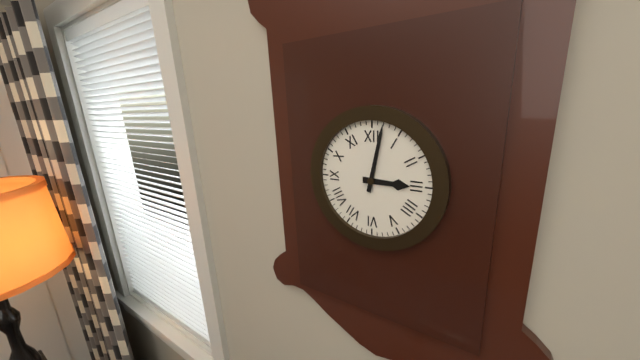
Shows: 3:02
